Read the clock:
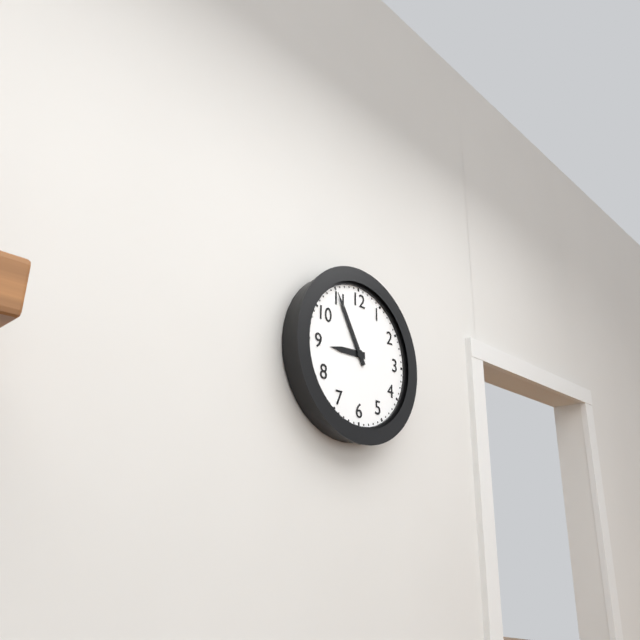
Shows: 8:55
